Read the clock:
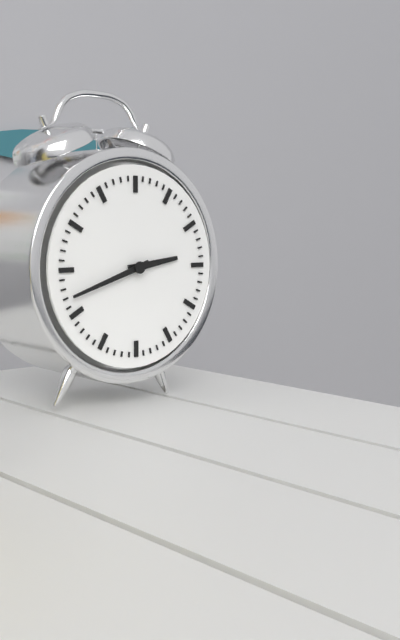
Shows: 2:42
